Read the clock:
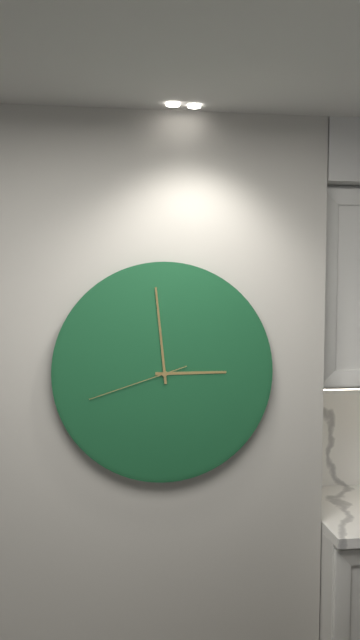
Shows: 2:59:42
